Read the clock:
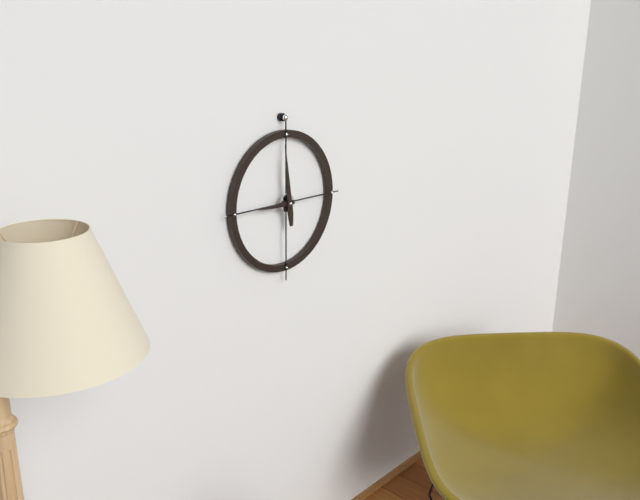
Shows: 8:59
